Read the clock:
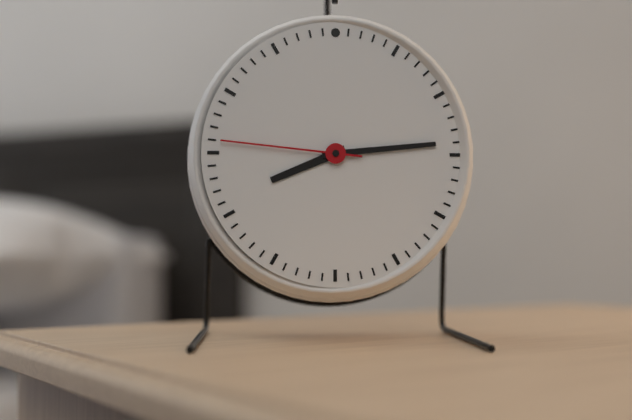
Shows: 8:14:46
